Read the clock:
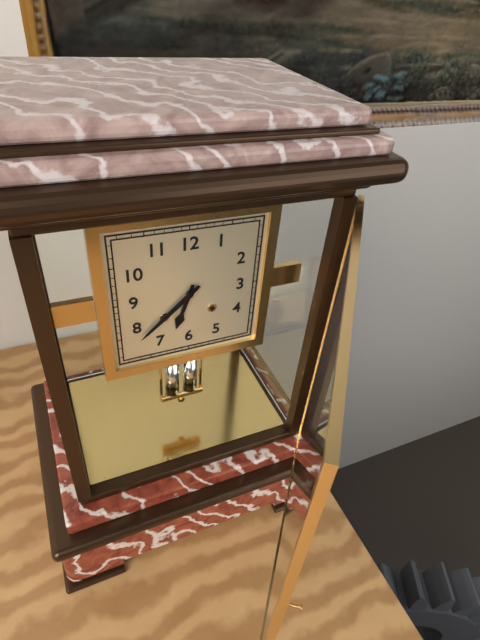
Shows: 6:38
